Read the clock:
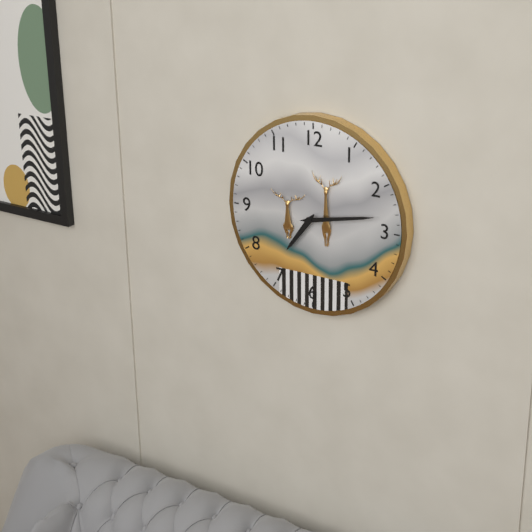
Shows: 7:13
